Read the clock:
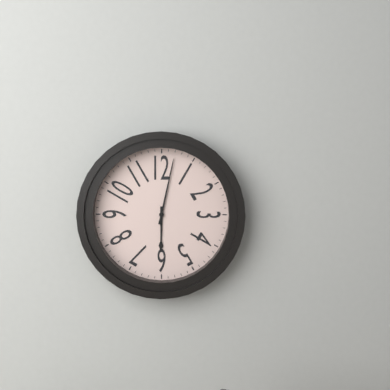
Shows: 6:02
